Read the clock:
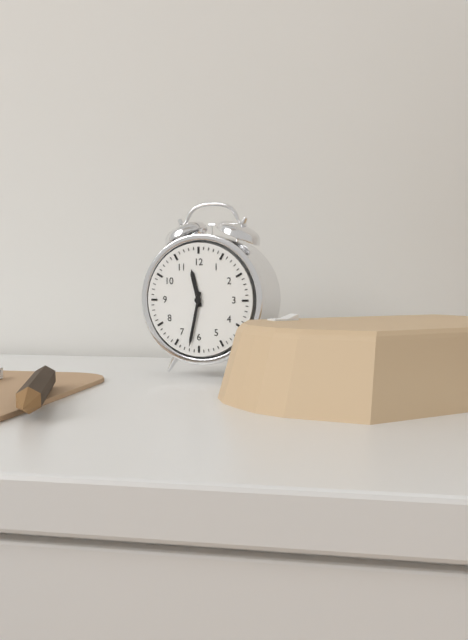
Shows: 11:32
